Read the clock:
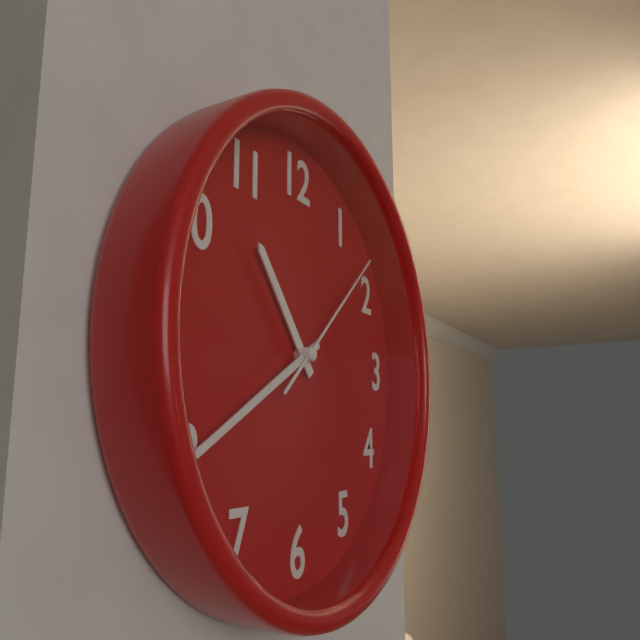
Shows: 10:40:08
